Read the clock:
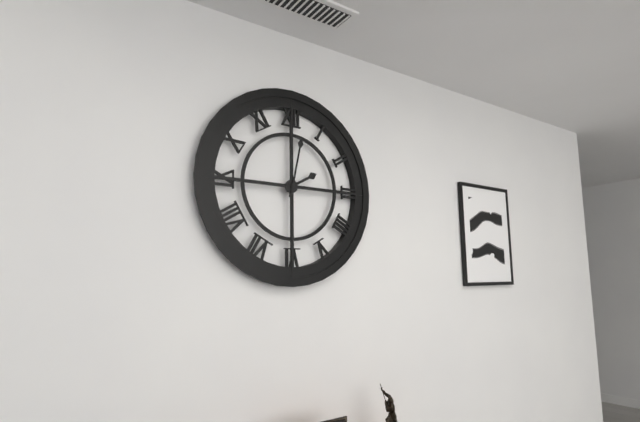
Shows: 2:02
